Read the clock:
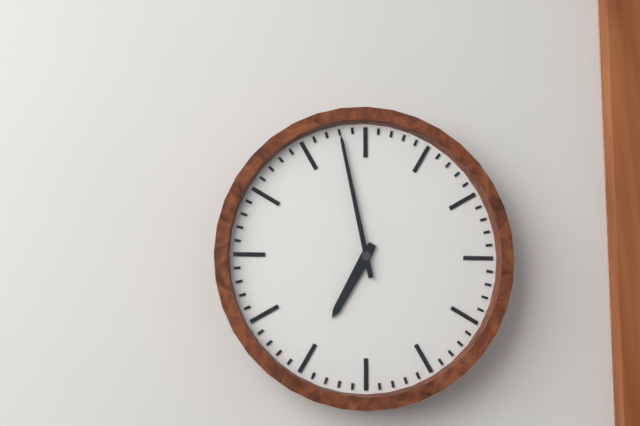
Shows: 6:58
